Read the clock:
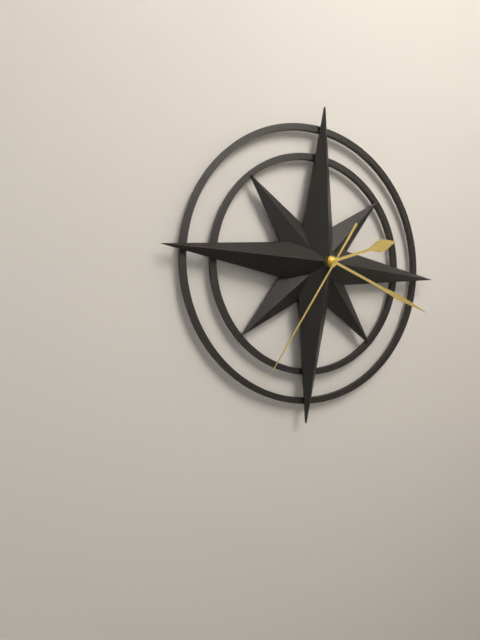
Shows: 2:18:35
